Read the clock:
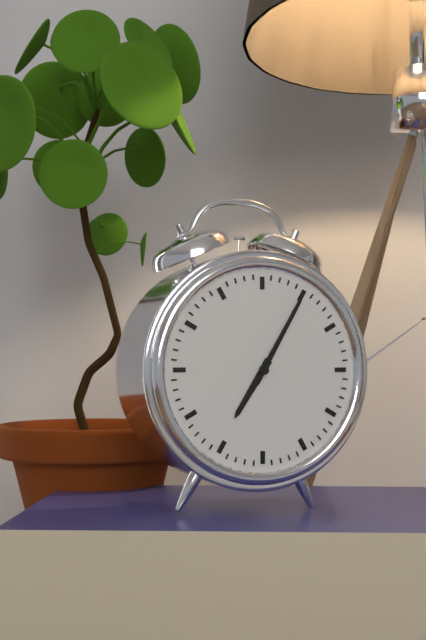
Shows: 7:05
